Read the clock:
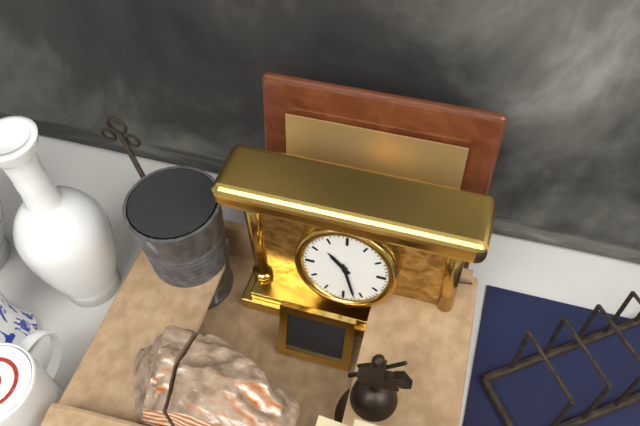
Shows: 10:27
